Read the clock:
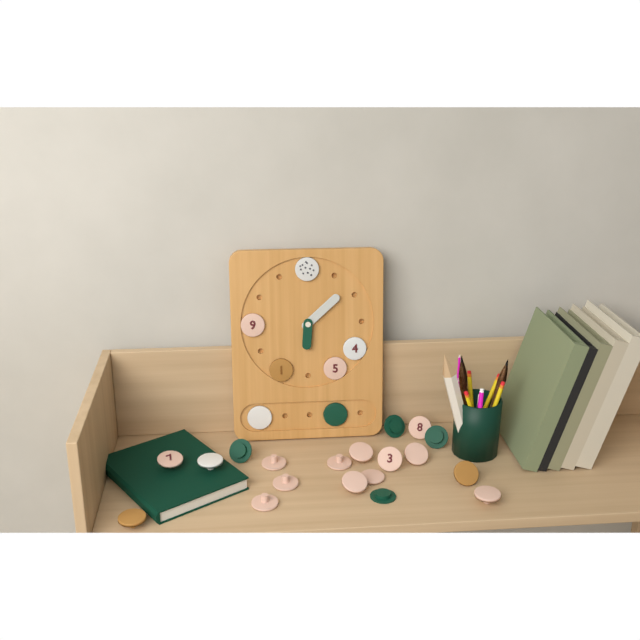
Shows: 6:08
